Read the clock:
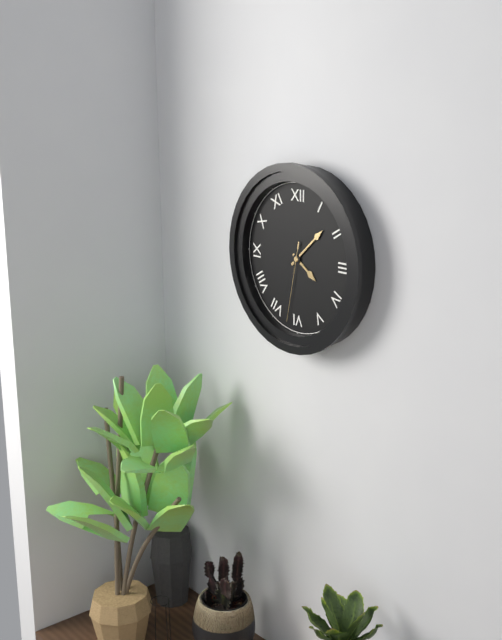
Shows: 4:08:32
